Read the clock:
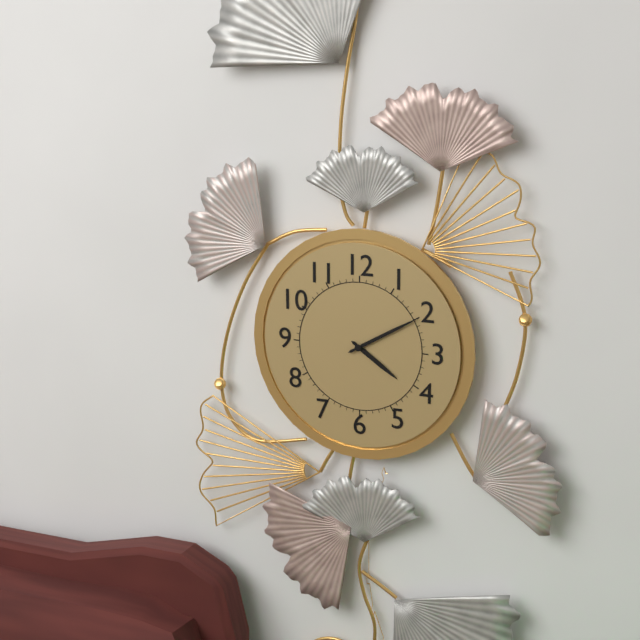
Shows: 4:10
